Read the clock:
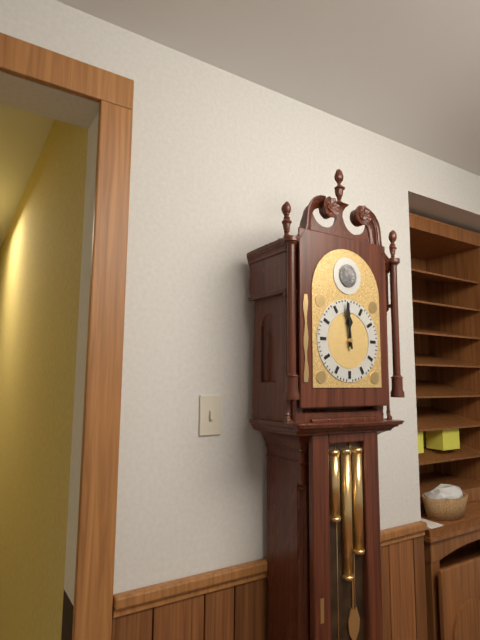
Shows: 11:59
